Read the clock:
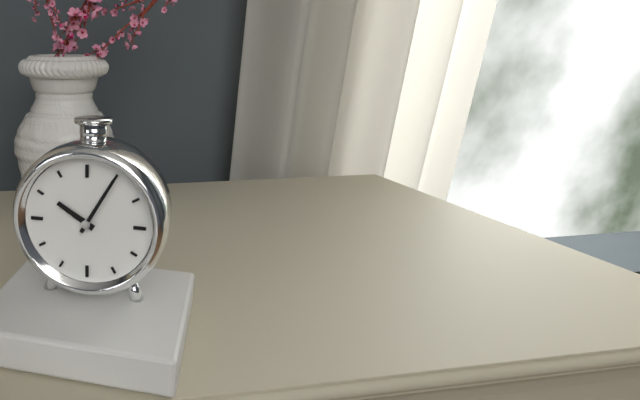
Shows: 10:05
